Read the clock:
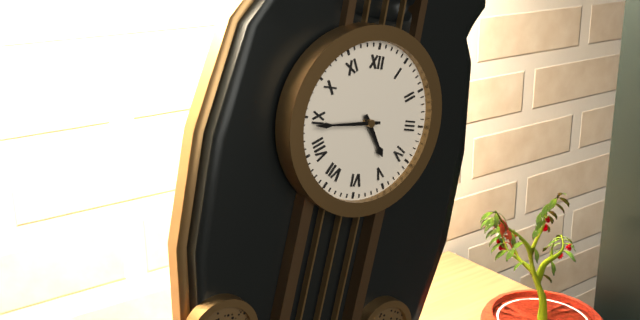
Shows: 4:44
